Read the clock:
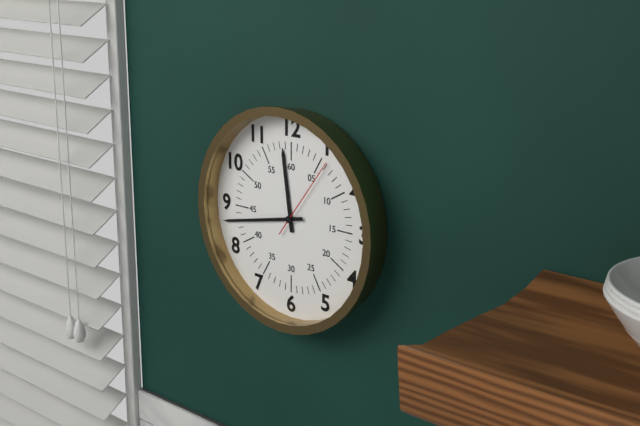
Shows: 11:43:06
